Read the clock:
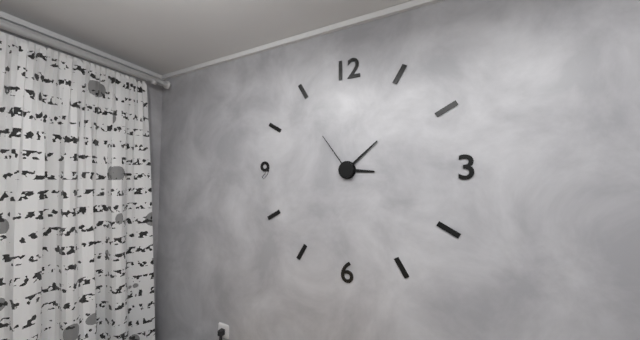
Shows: 3:08:54
